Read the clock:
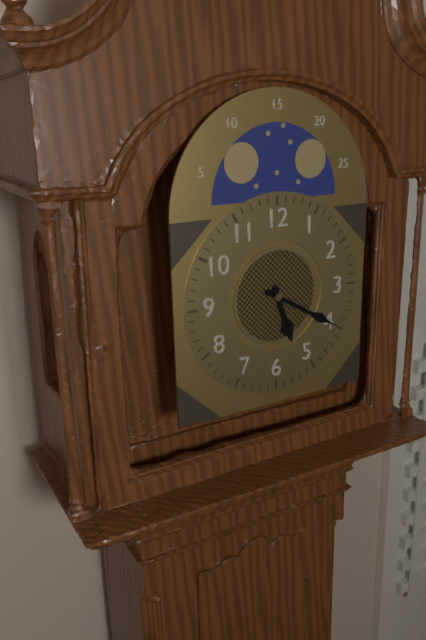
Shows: 5:20
